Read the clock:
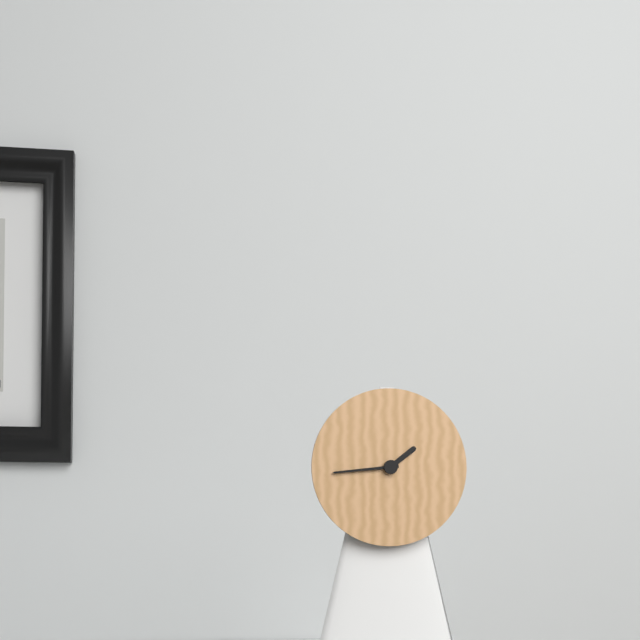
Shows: 1:44
